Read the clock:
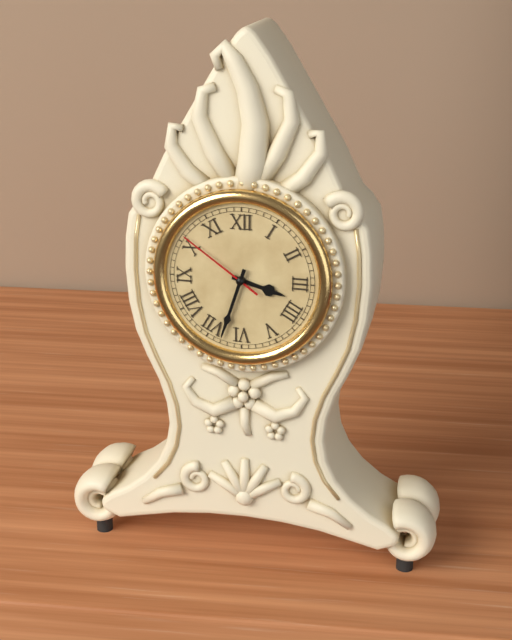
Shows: 3:33:51
